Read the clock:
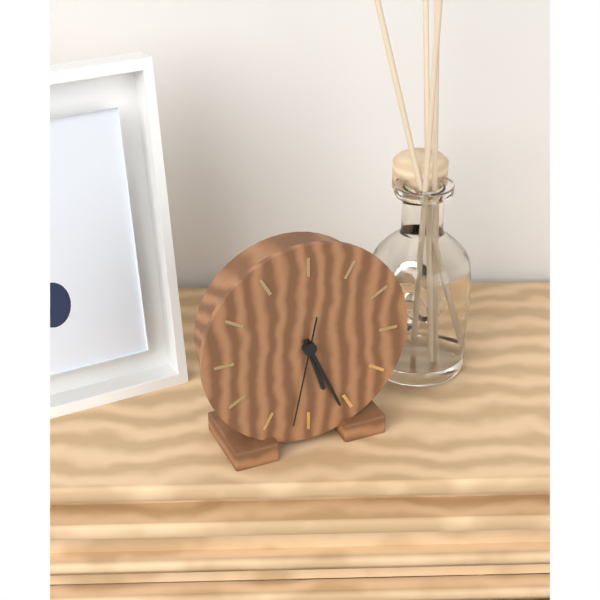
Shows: 5:26:32
